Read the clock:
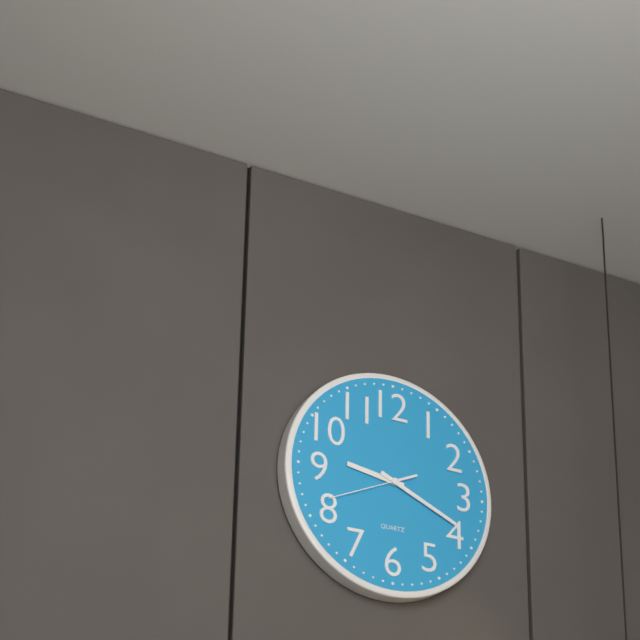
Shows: 9:19:41
